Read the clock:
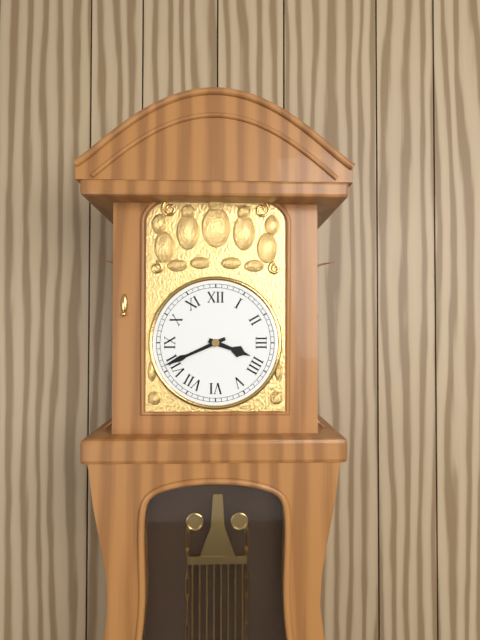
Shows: 3:41
